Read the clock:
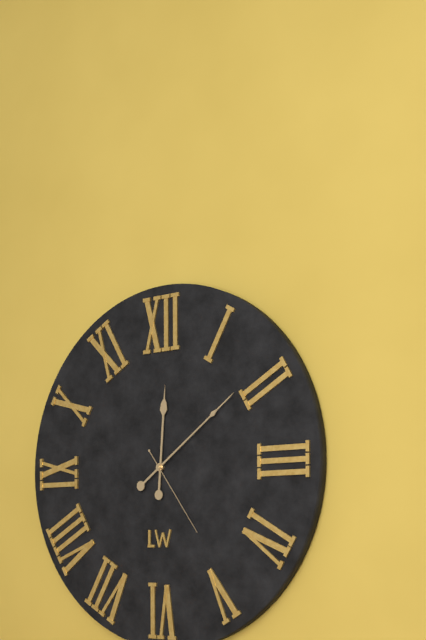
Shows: 12:09:24
